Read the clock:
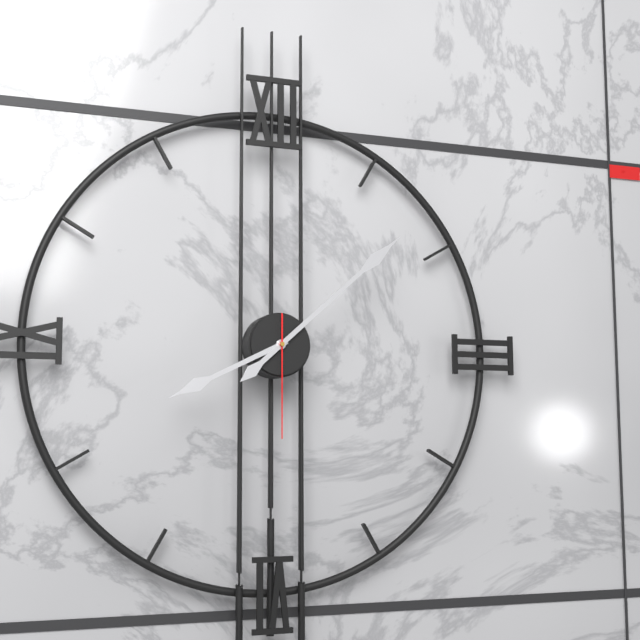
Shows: 8:08:30
